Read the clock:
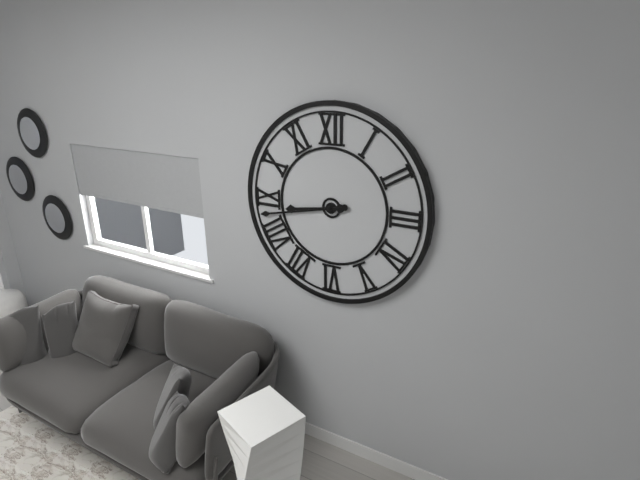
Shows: 8:43
